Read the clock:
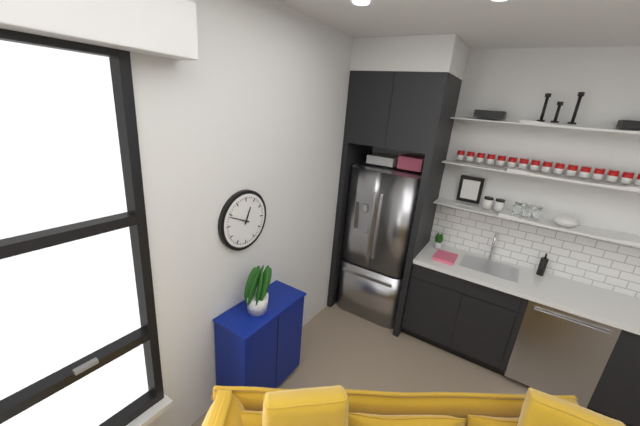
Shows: 12:49
